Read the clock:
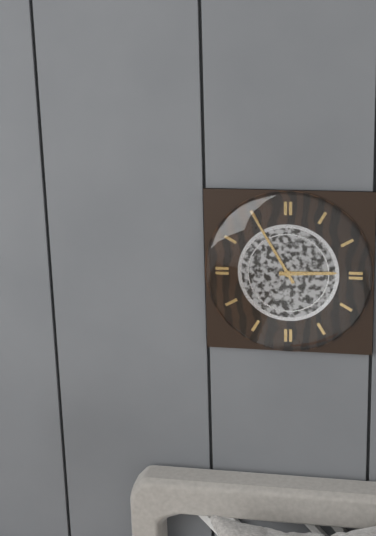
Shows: 2:55
